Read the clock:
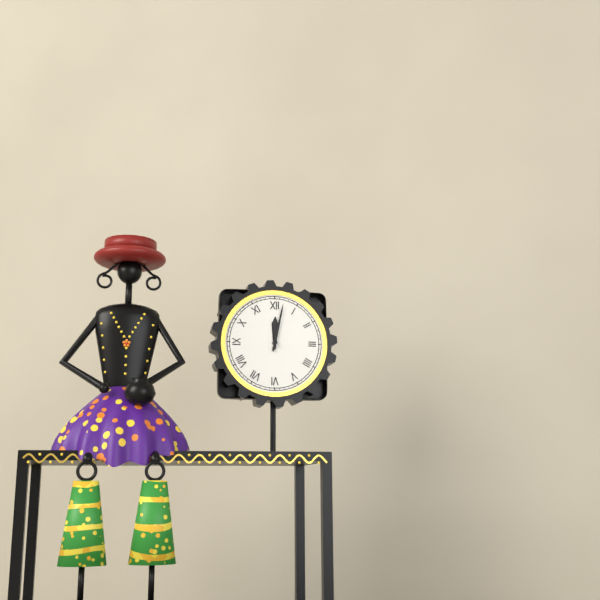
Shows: 12:02
